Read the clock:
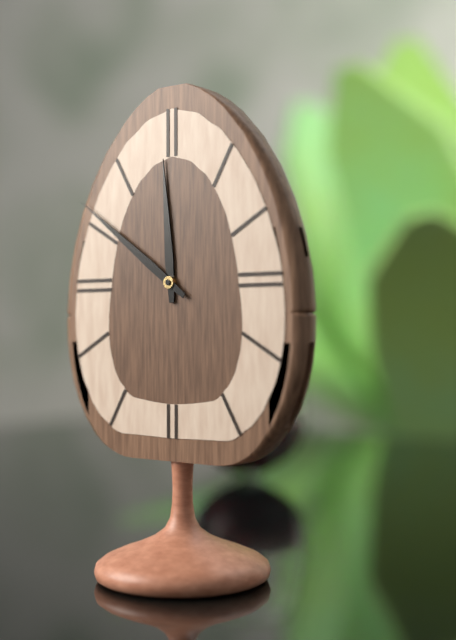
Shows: 11:51
